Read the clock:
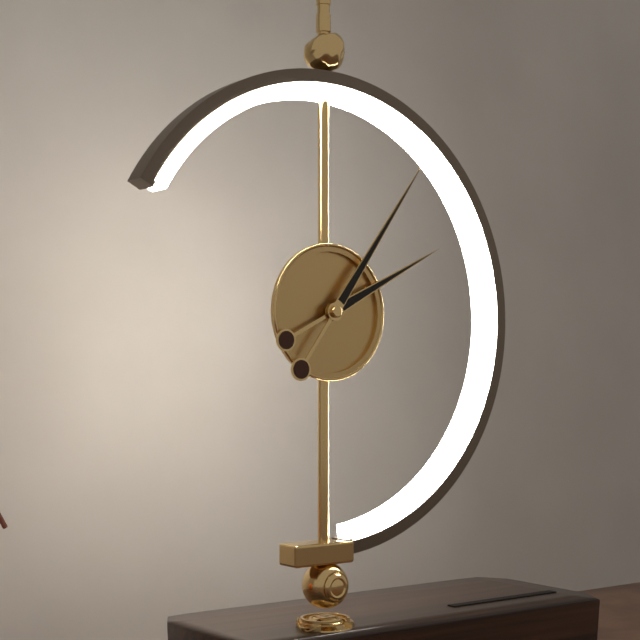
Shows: 2:06
